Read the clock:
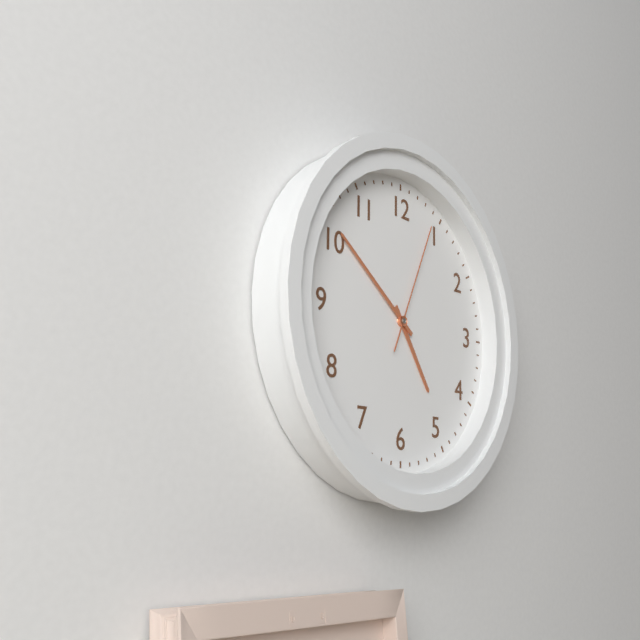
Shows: 4:51:04
